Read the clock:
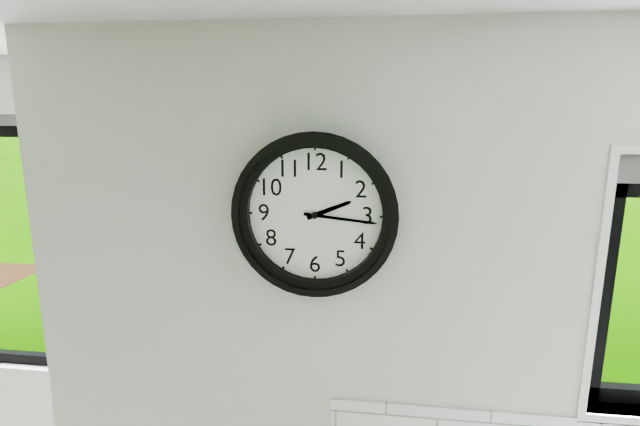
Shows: 2:16
